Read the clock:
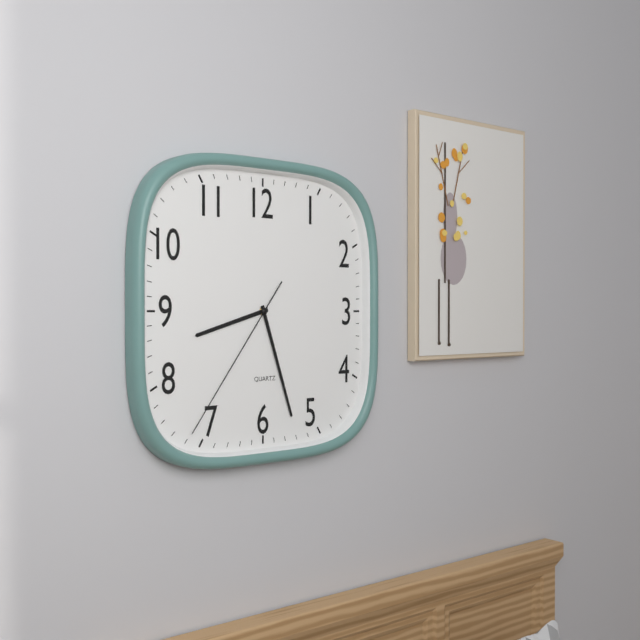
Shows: 8:27:36
